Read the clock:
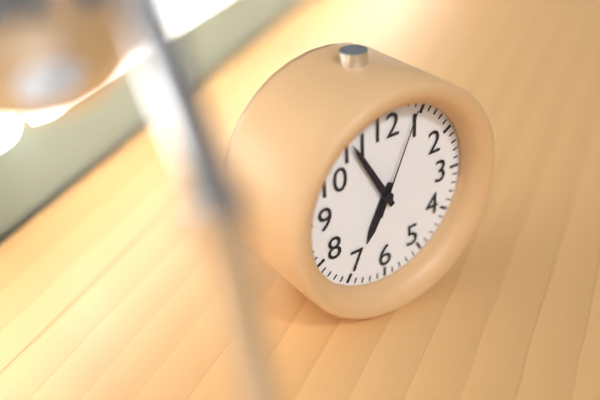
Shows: 6:55:04
